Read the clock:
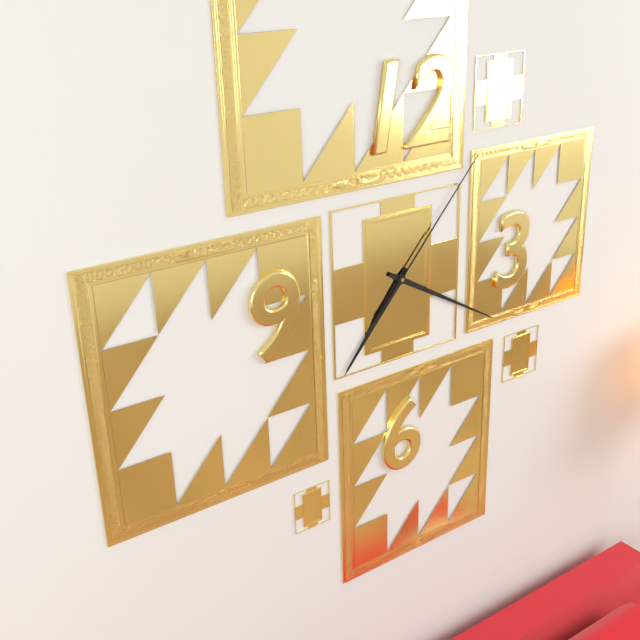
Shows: 7:20:07
